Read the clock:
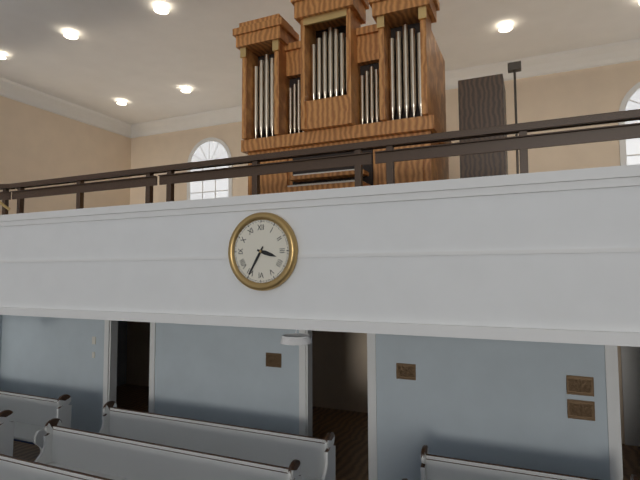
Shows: 3:35
